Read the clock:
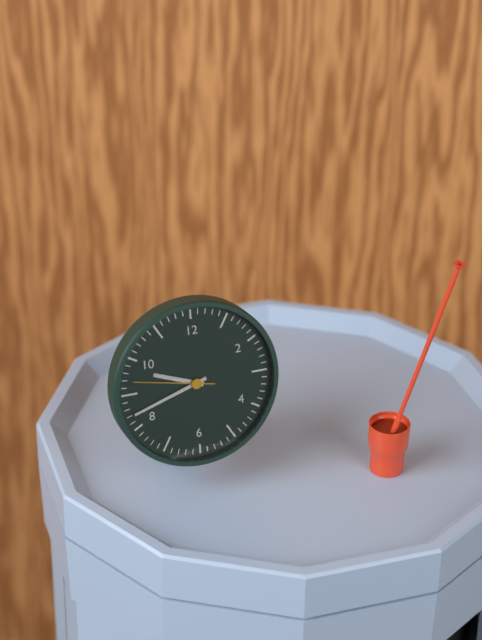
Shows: 9:42:47
